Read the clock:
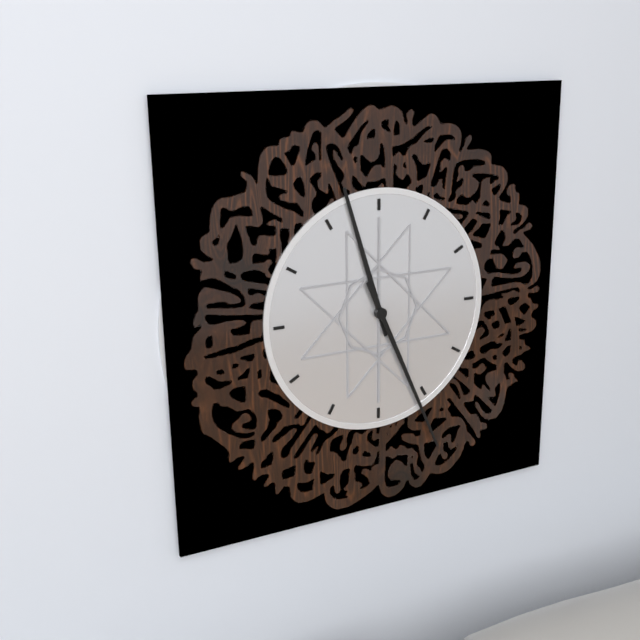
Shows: 11:26
